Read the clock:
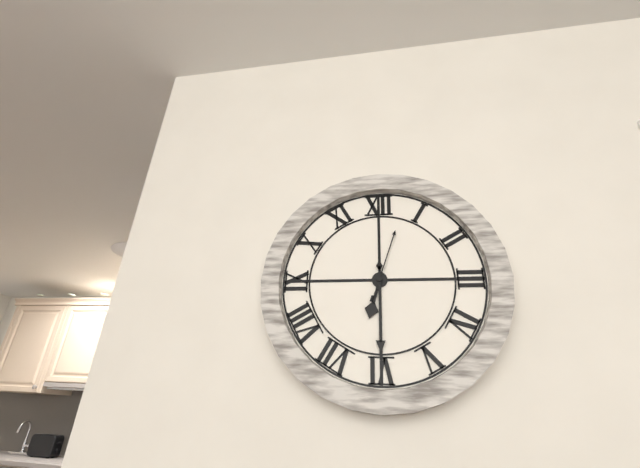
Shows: 6:30:03
